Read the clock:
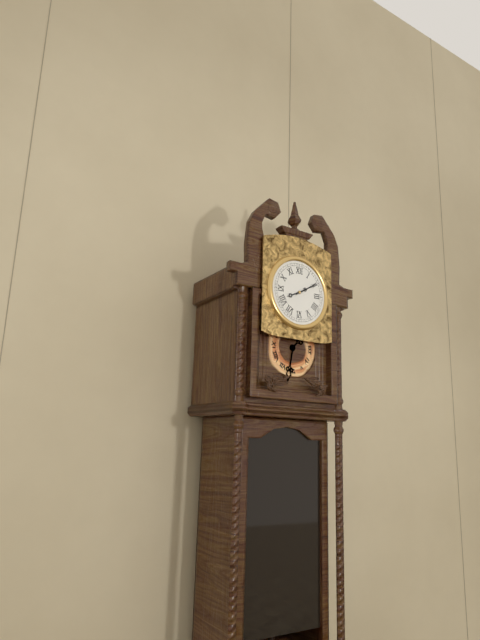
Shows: 8:10
